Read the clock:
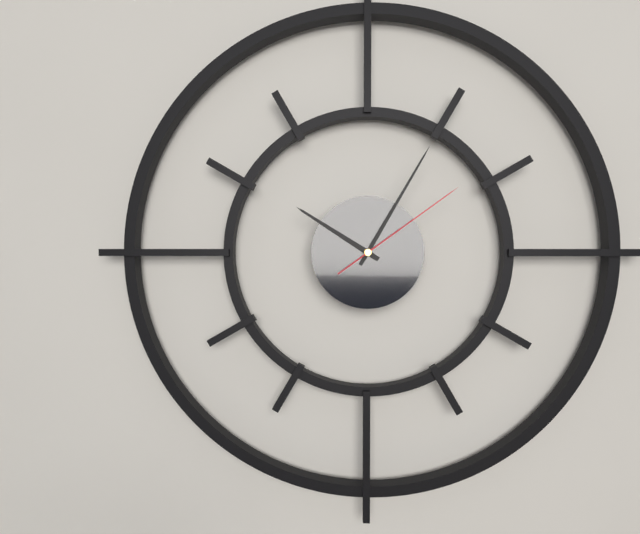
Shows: 10:05:09
